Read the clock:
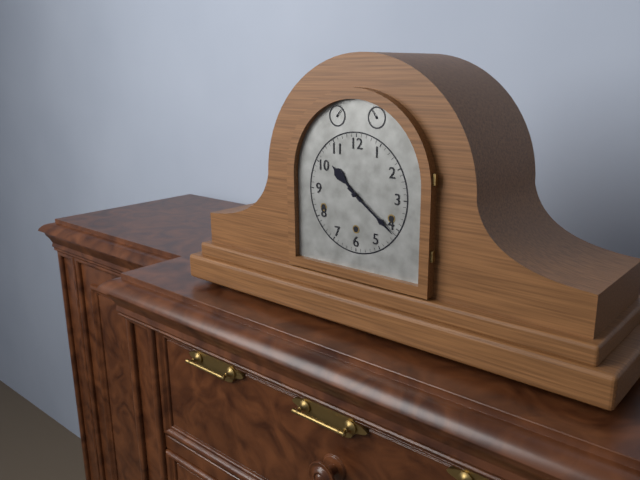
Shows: 10:21
